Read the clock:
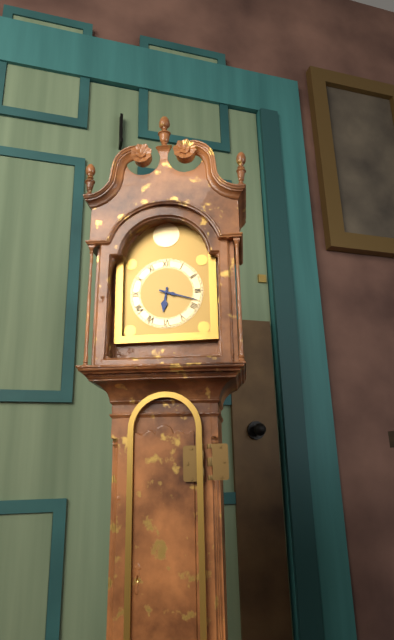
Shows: 6:18
